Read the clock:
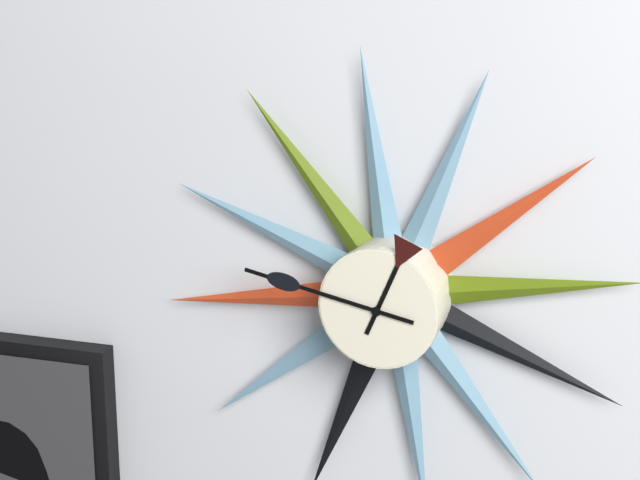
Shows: 12:47
